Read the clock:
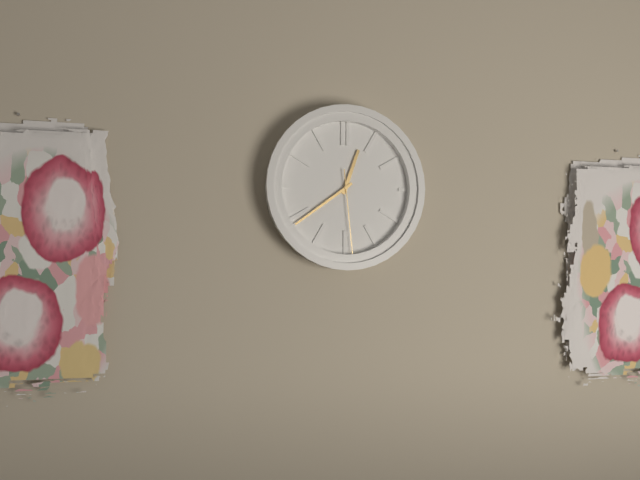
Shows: 12:39:29
